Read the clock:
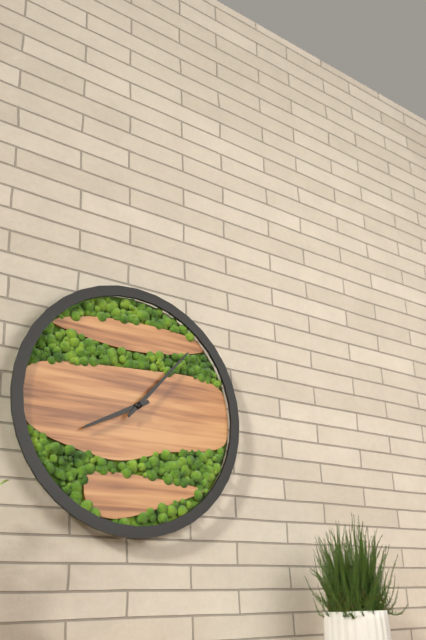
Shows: 8:07
